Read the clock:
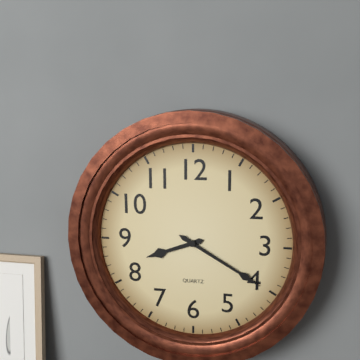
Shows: 8:20
